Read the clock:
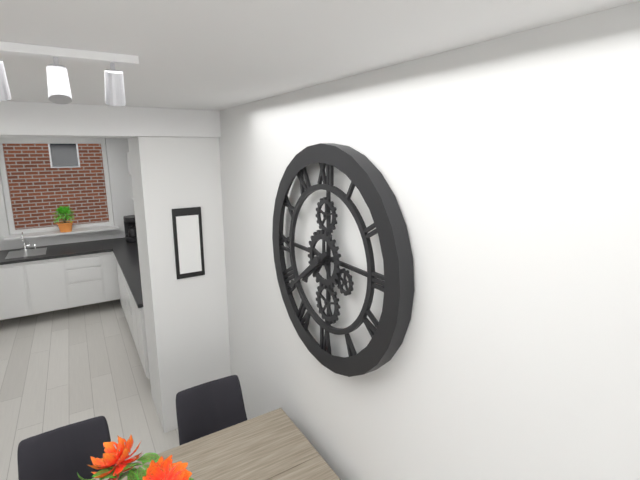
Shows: 7:39
